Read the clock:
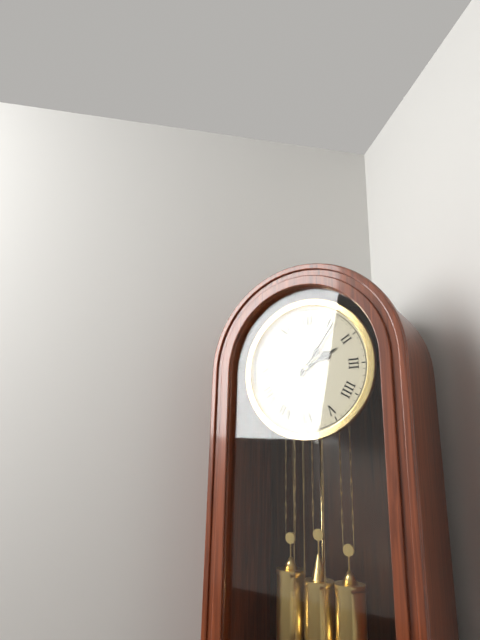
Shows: 2:06
